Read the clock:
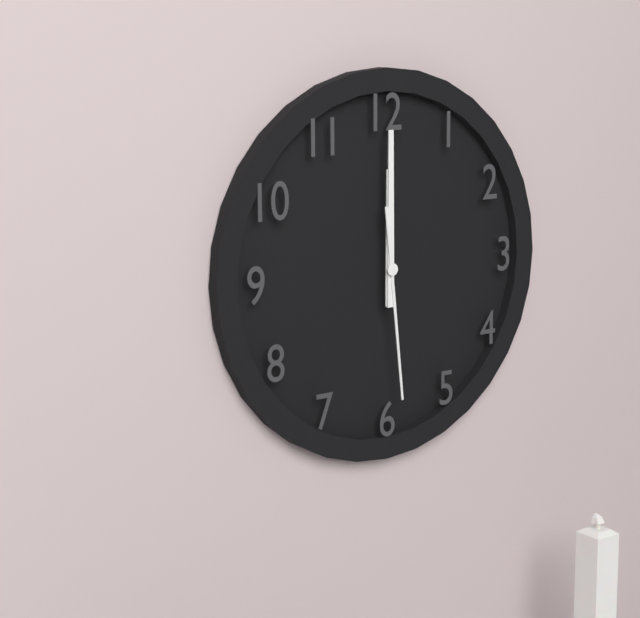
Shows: 12:00:29
